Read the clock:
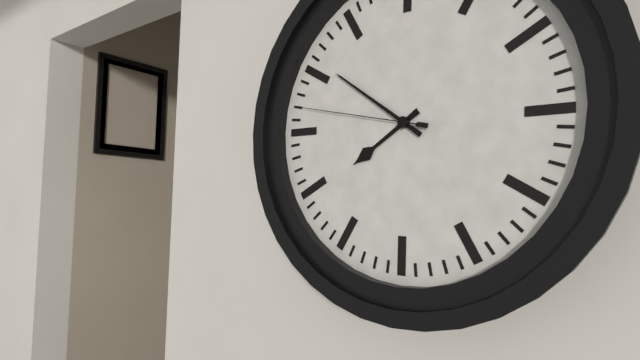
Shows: 7:51:47
